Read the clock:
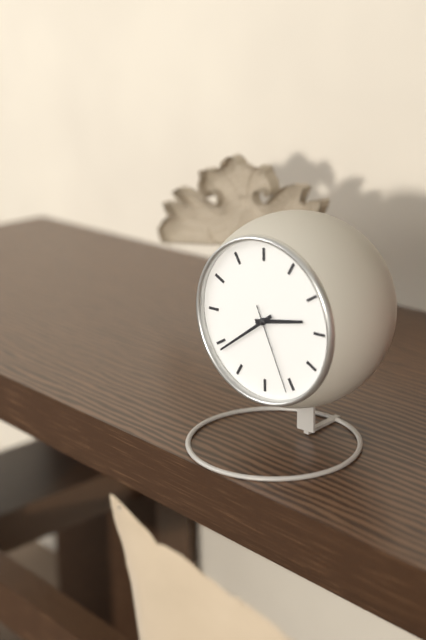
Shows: 2:39:26
